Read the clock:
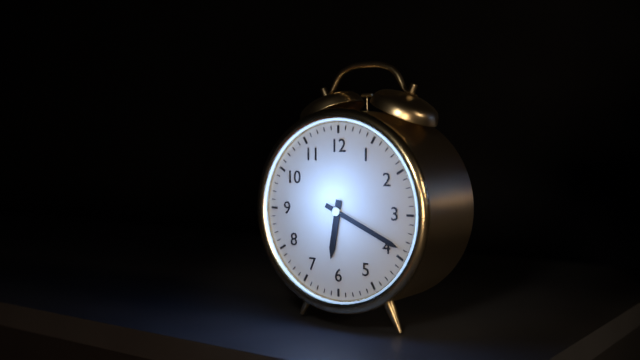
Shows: 6:19
